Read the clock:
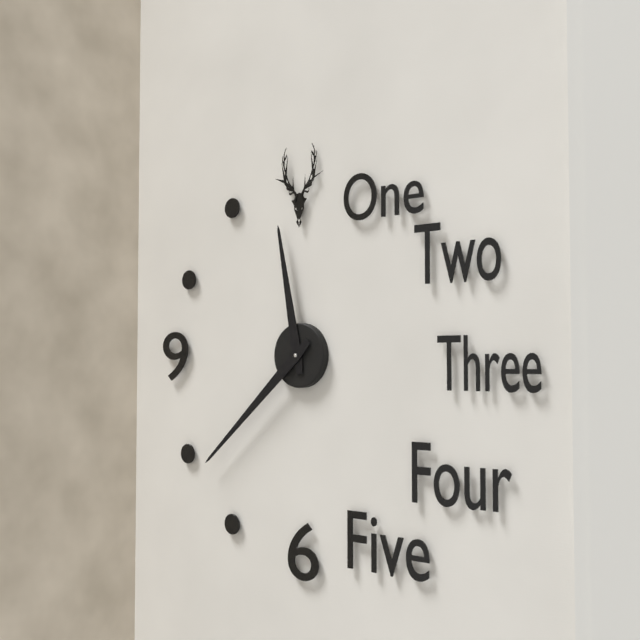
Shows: 11:38
